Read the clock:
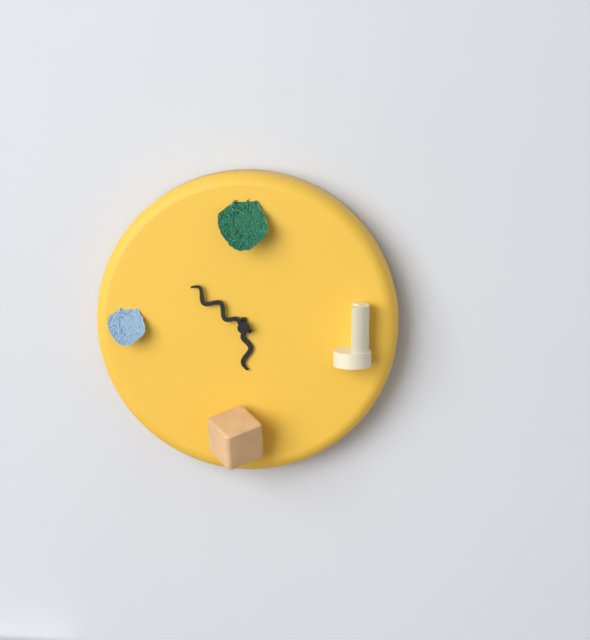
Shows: 5:51
